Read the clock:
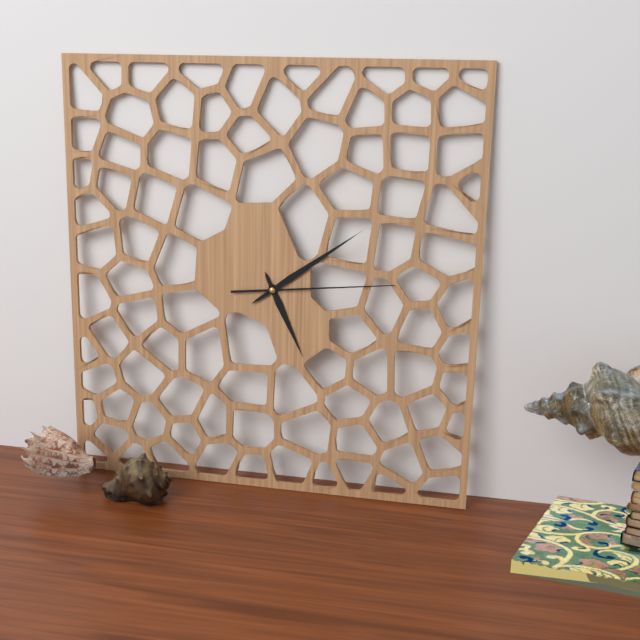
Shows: 5:09:14
